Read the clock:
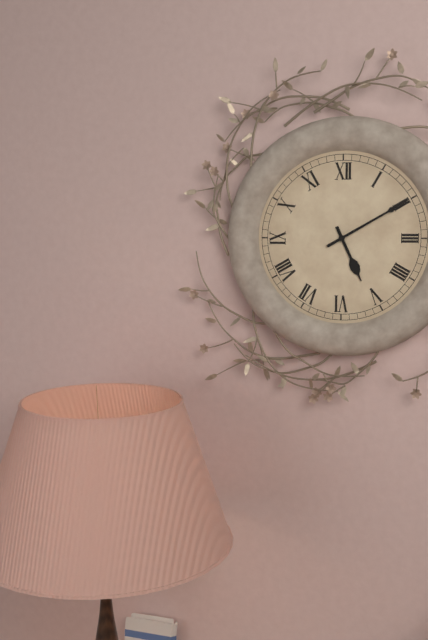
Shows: 5:10
